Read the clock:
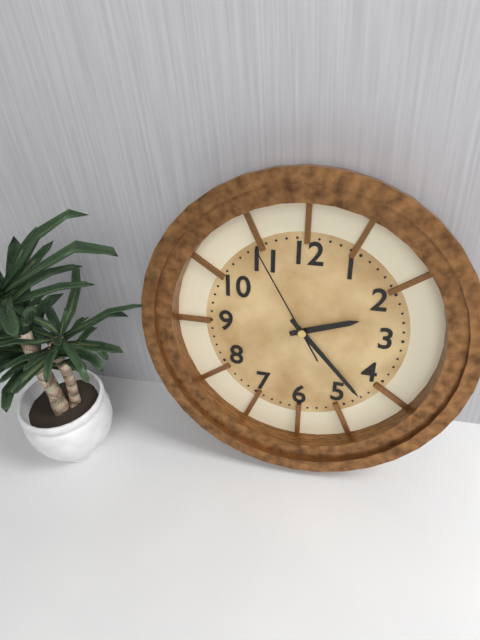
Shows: 2:23:55
